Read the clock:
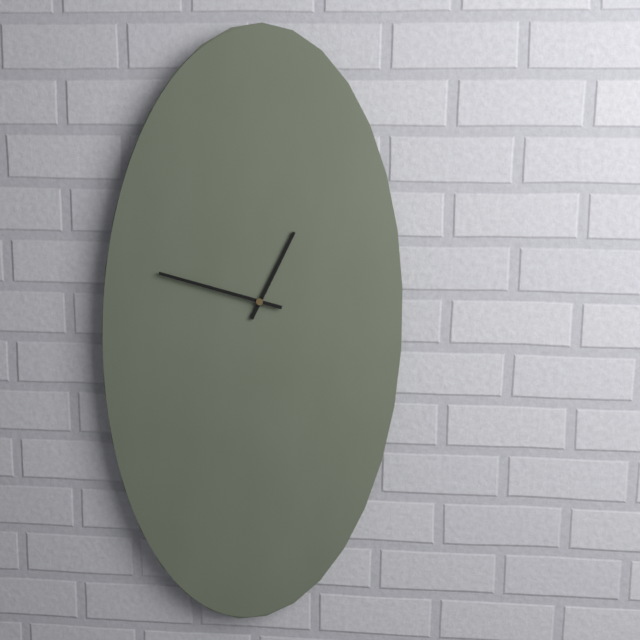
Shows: 12:47
